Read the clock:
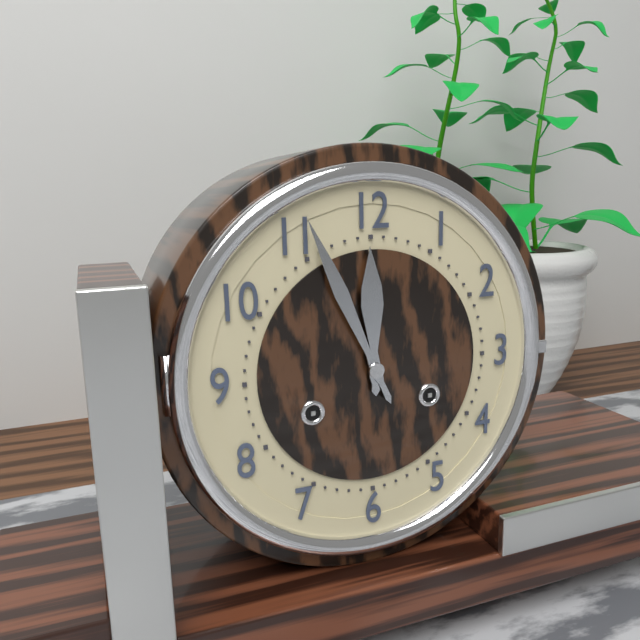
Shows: 11:56
